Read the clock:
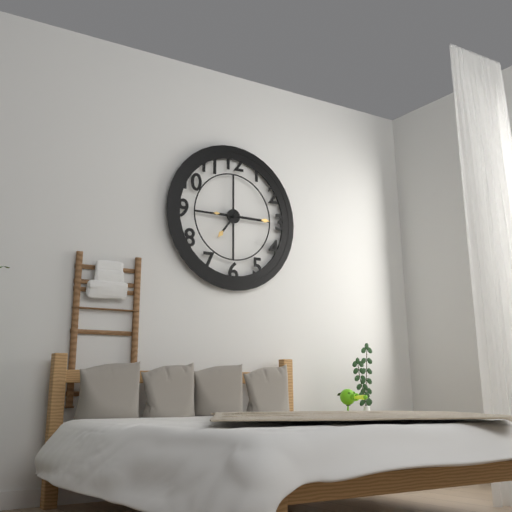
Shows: 7:15
